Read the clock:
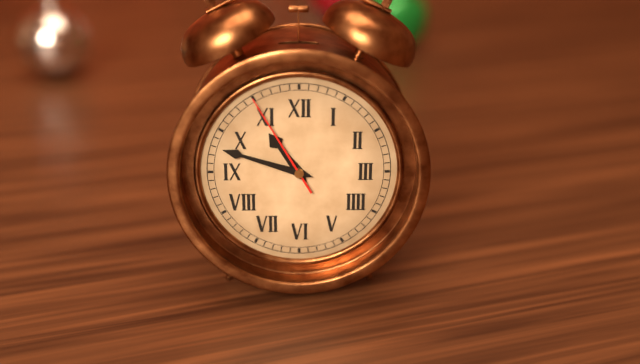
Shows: 10:48:55
